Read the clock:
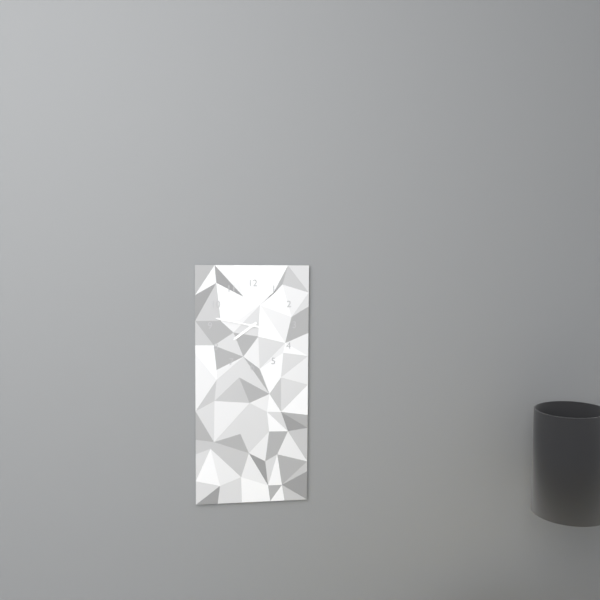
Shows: 7:47
